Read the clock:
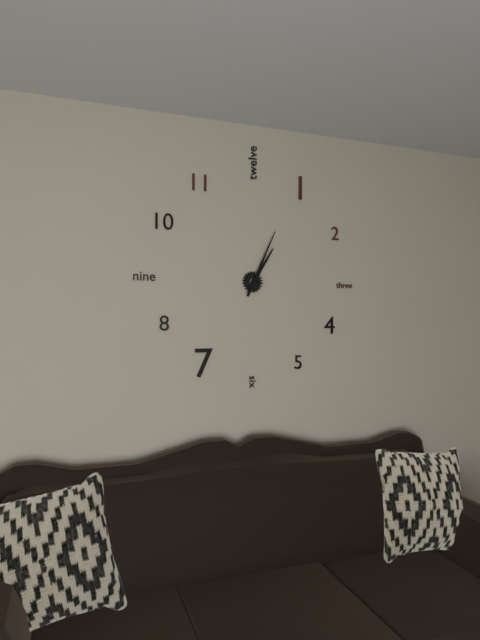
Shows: 1:04
